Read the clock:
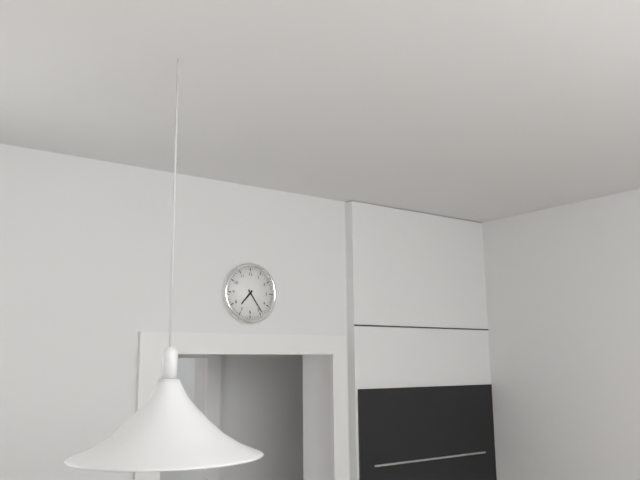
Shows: 7:24
